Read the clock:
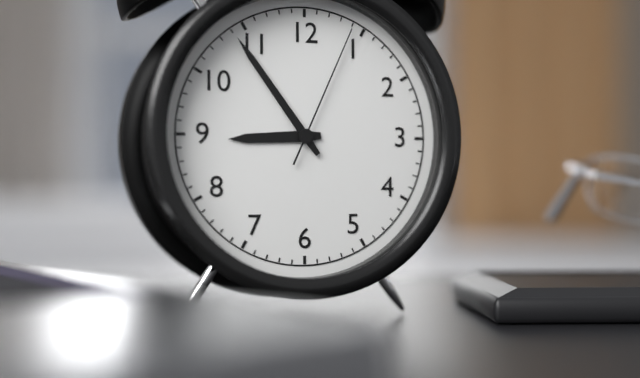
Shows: 8:54:04
